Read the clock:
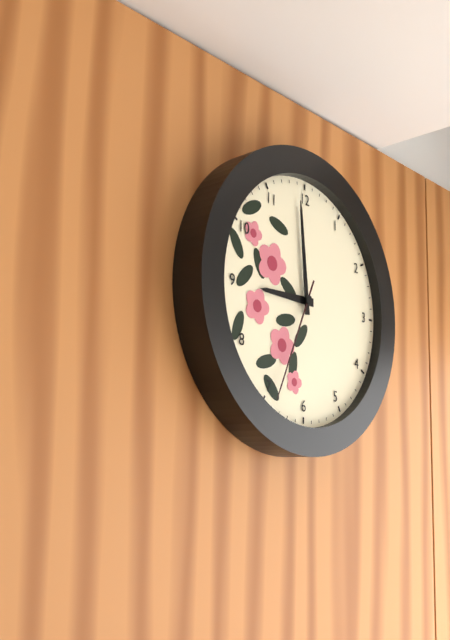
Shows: 8:59:34
